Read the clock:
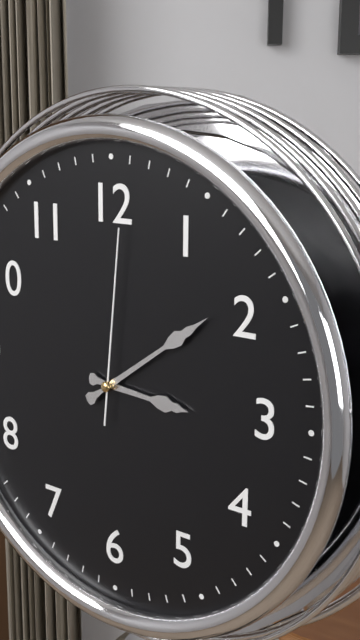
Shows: 3:09:01
